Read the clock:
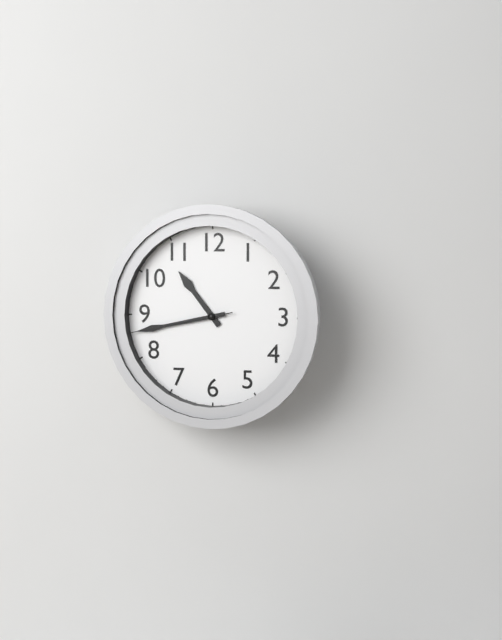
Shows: 10:43:43
